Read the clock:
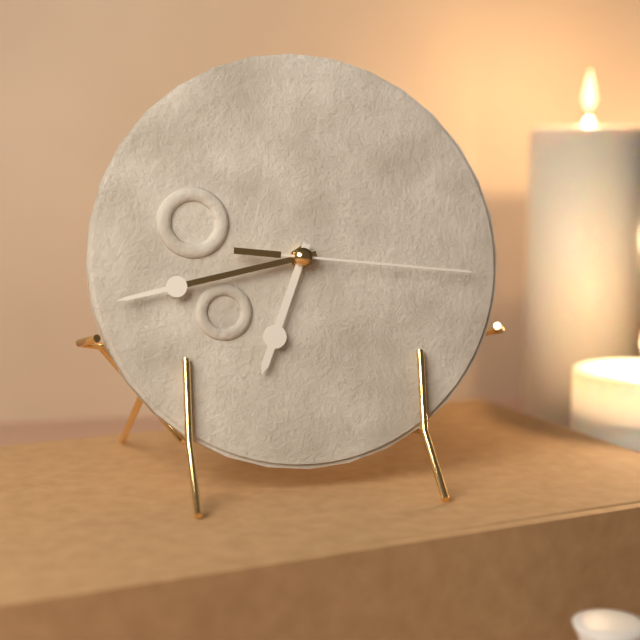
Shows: 6:43:16
